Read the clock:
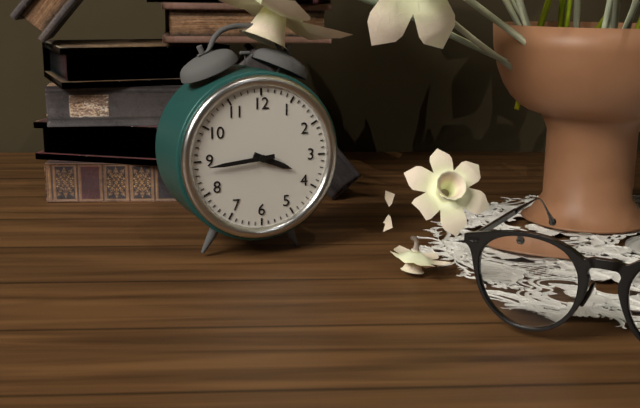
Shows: 3:44
